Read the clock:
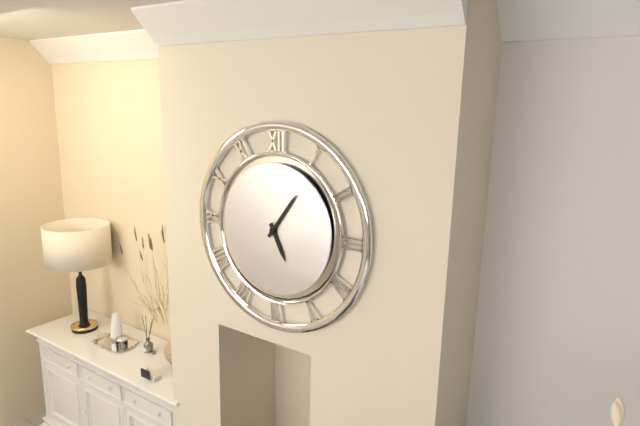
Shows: 5:06
